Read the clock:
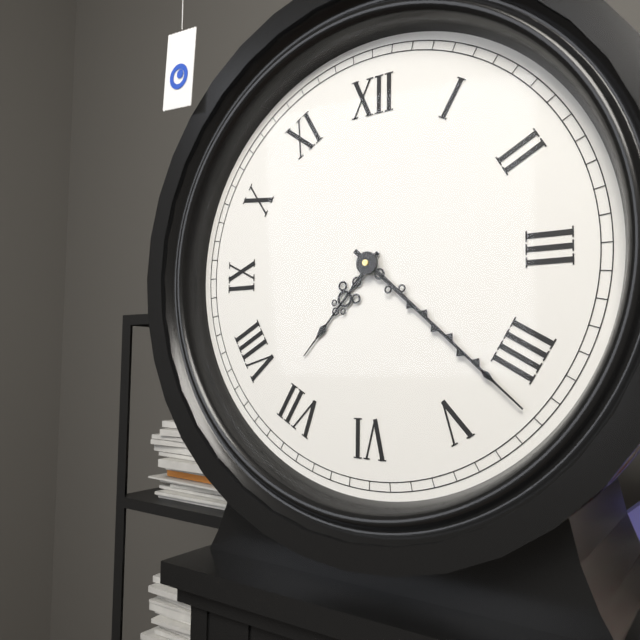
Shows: 7:22
